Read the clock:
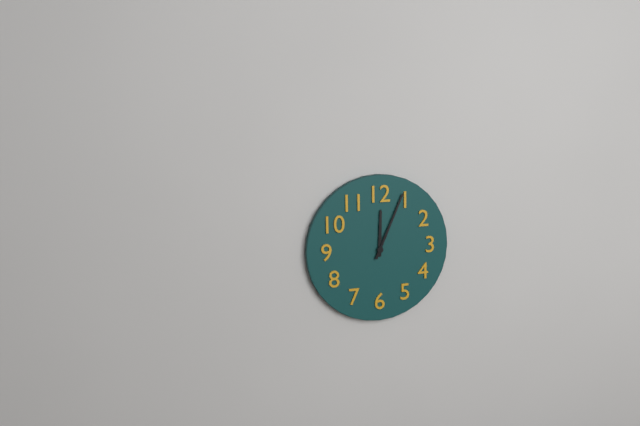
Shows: 12:04
